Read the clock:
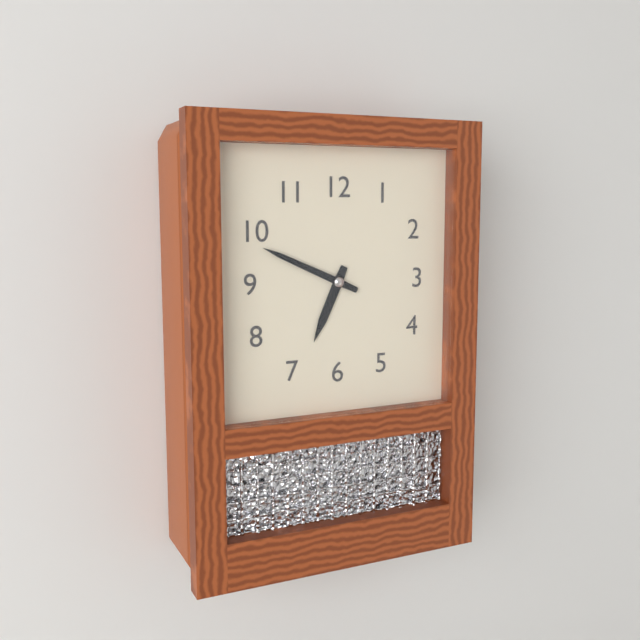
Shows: 6:49
